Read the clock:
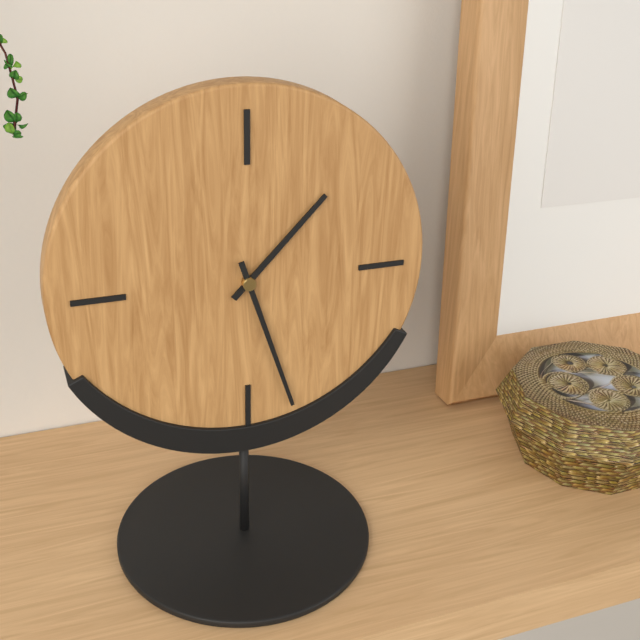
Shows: 1:27
